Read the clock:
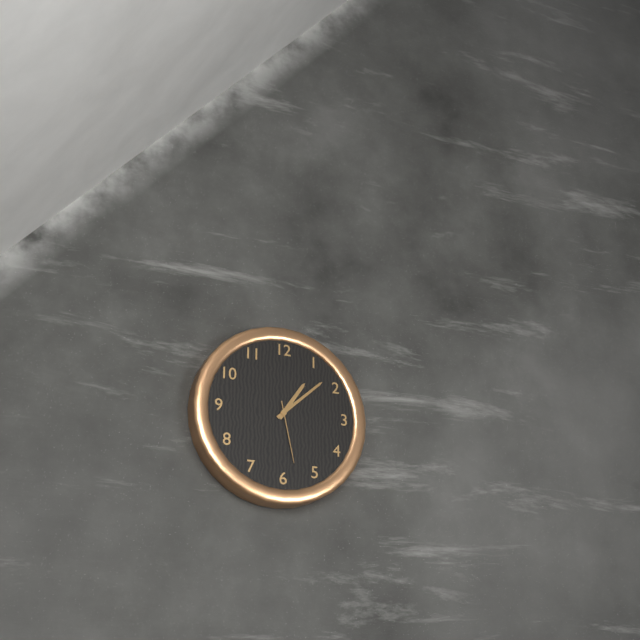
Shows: 1:08:28
